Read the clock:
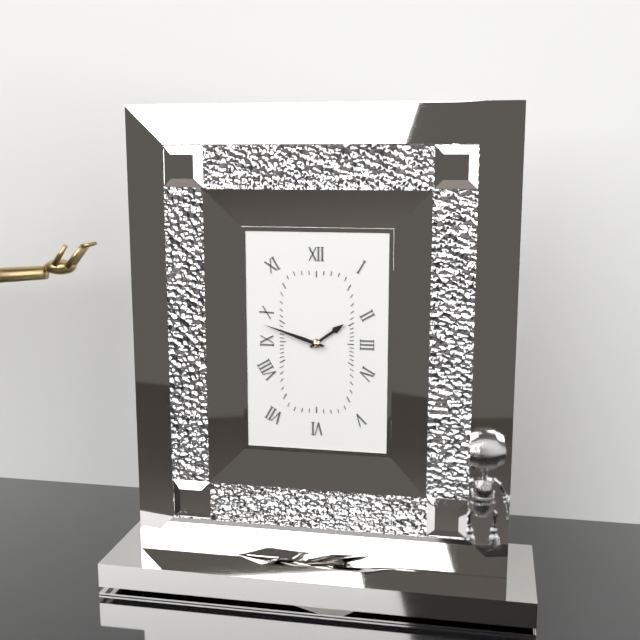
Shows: 1:48
